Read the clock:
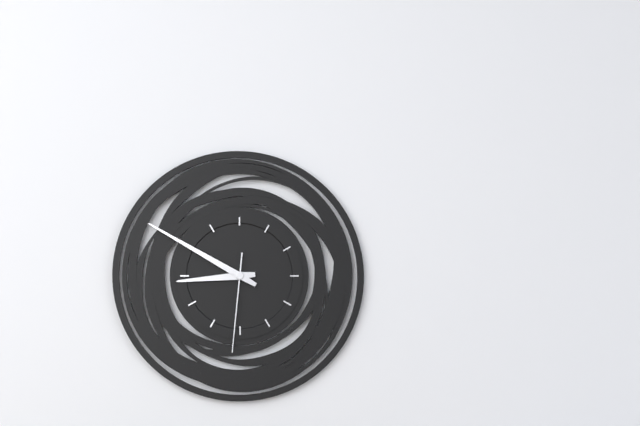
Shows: 8:50:31
